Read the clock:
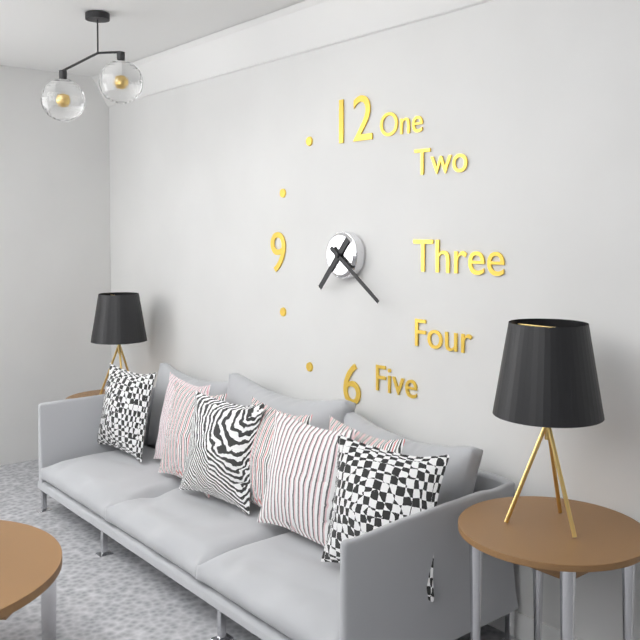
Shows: 7:21
